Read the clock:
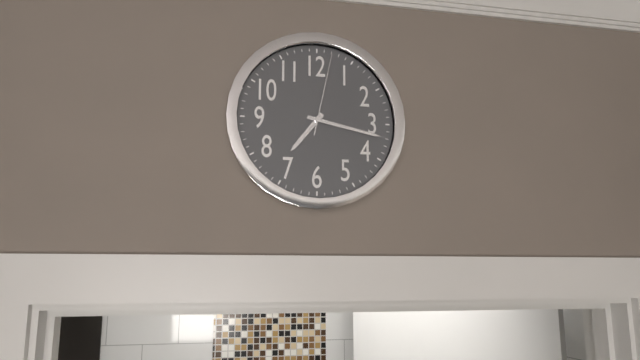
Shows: 7:17:02
